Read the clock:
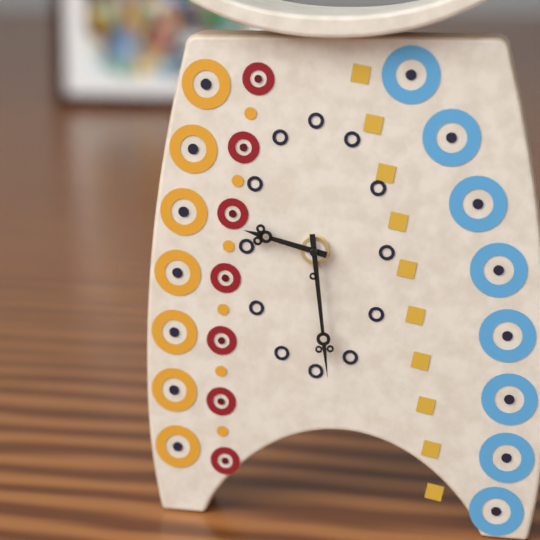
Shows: 9:29
